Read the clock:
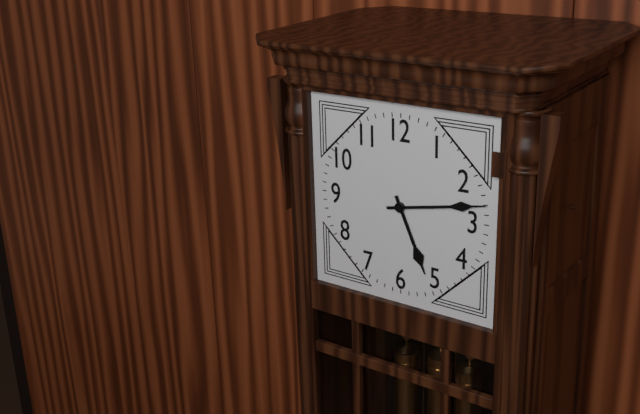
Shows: 5:13
